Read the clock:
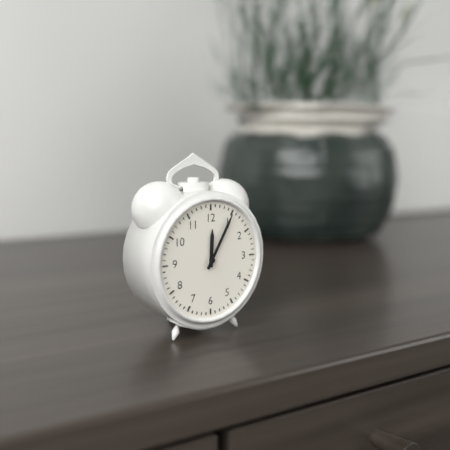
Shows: 12:05
